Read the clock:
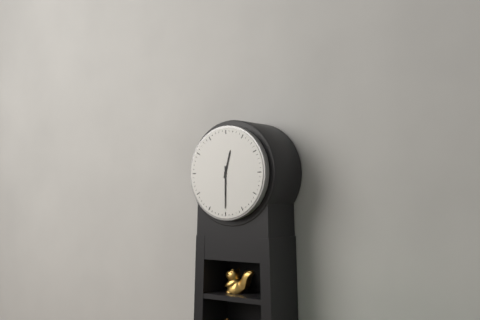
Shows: 12:30
